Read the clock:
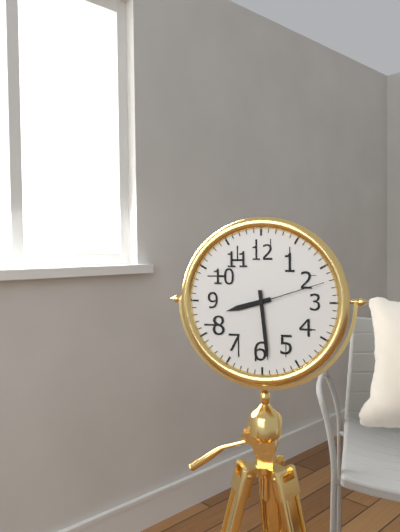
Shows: 8:29:12
